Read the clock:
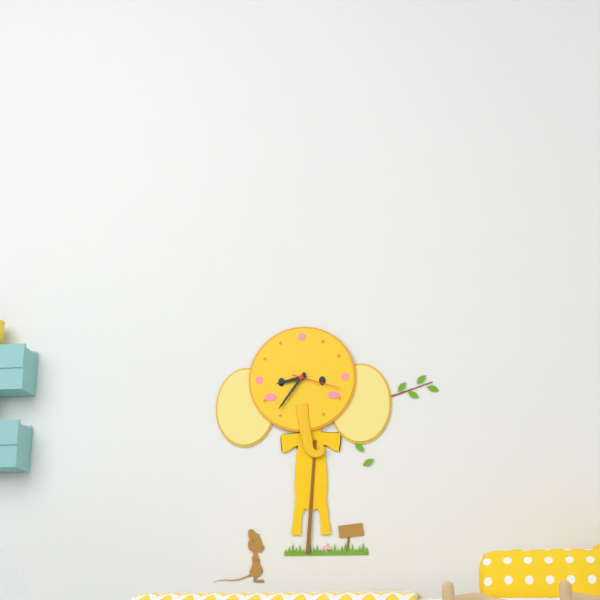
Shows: 8:36:18
